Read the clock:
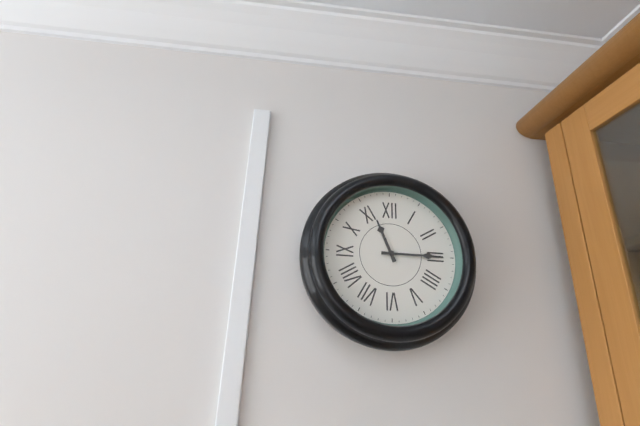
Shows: 11:15
